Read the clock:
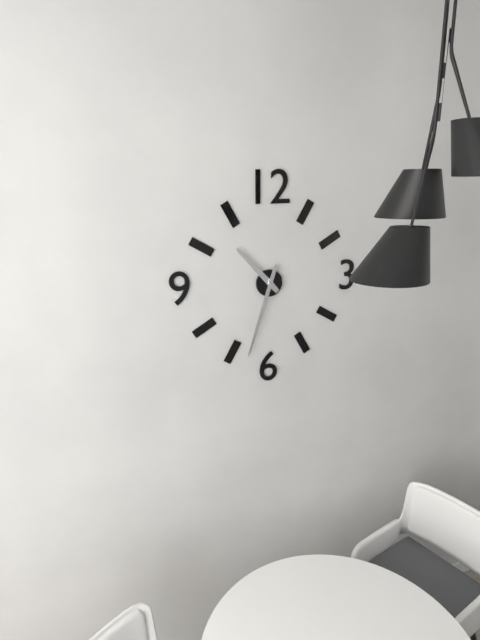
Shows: 10:33
